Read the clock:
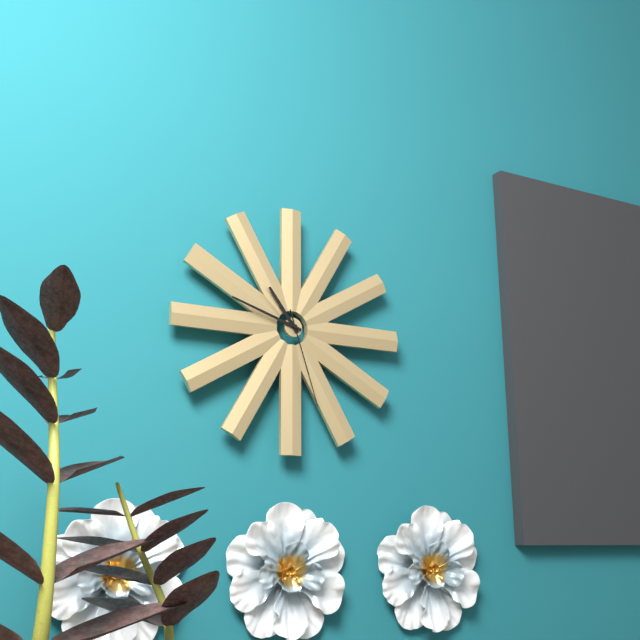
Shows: 10:48:27
